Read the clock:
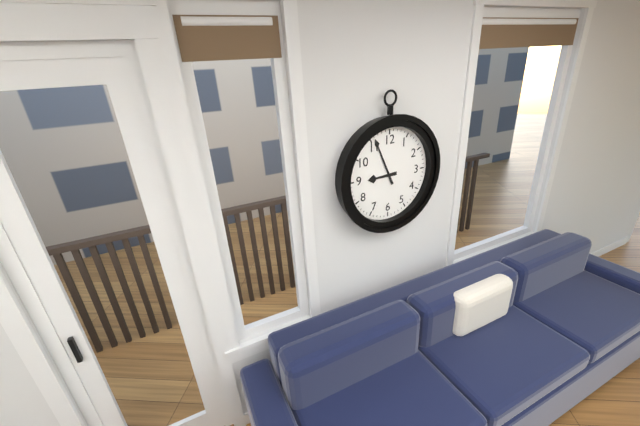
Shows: 8:56
